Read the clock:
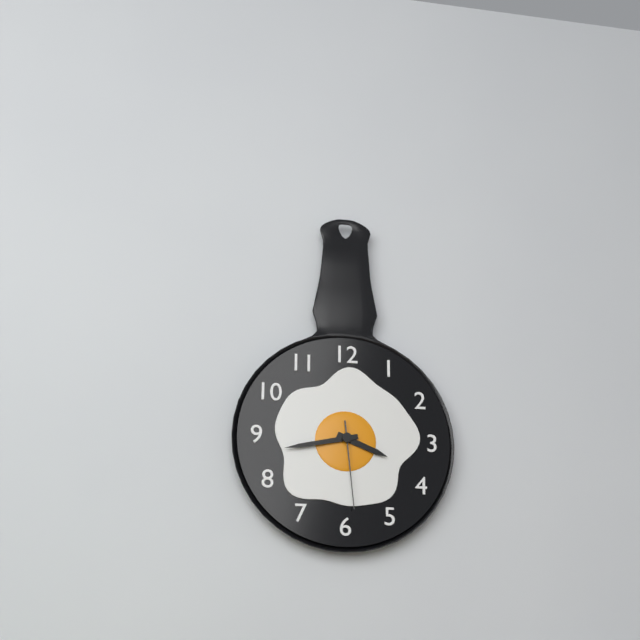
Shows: 3:43:29
